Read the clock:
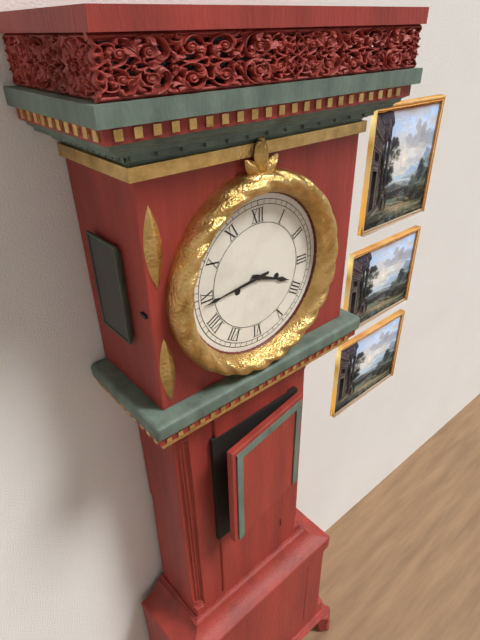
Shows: 3:44
